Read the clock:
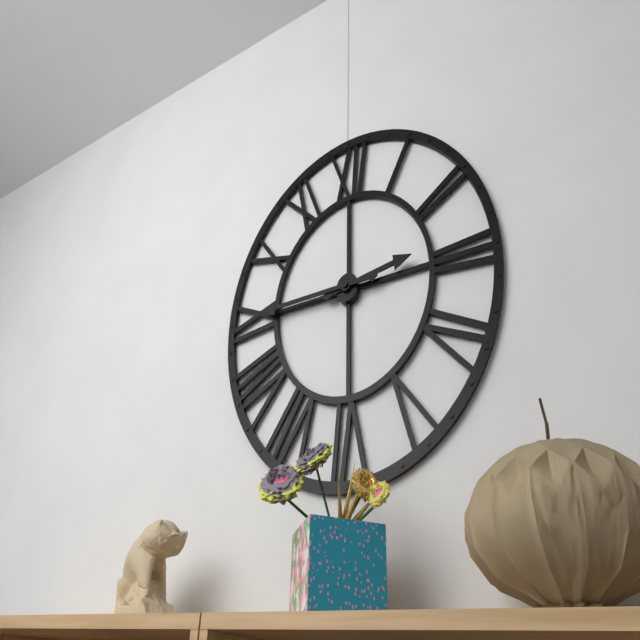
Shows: 2:45
